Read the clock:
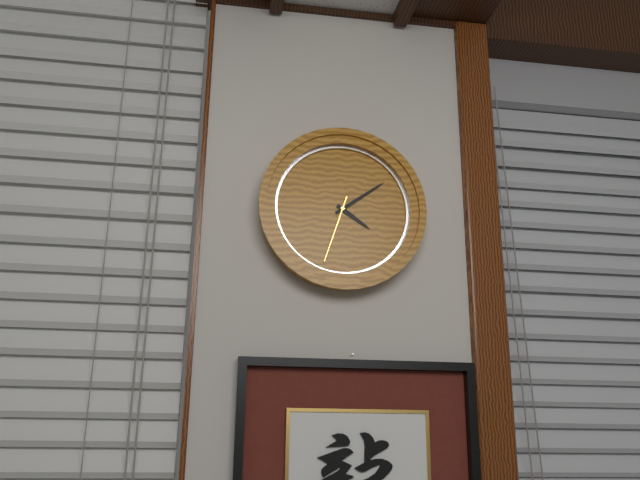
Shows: 4:09:33
